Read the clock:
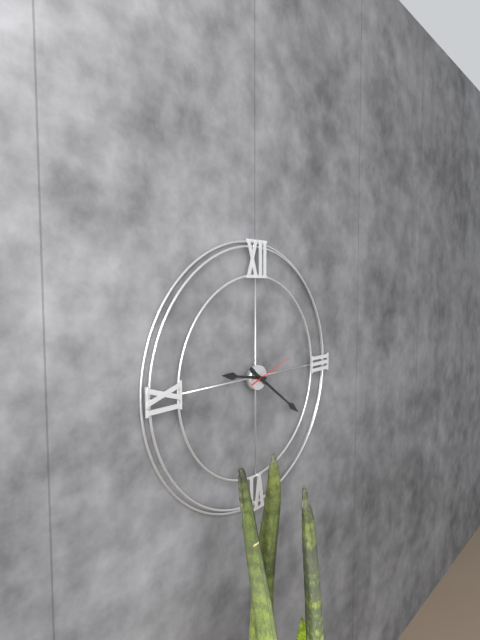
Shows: 9:21:12
